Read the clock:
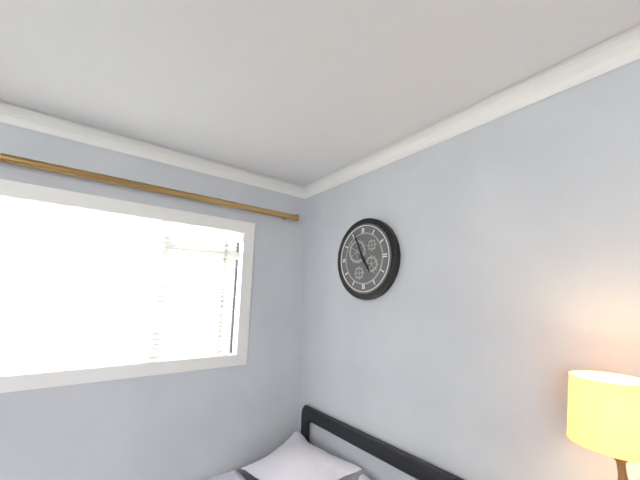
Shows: 4:56
